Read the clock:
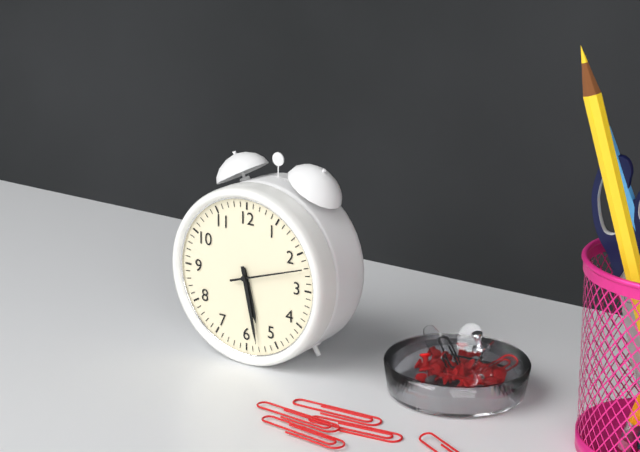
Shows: 5:28:12
